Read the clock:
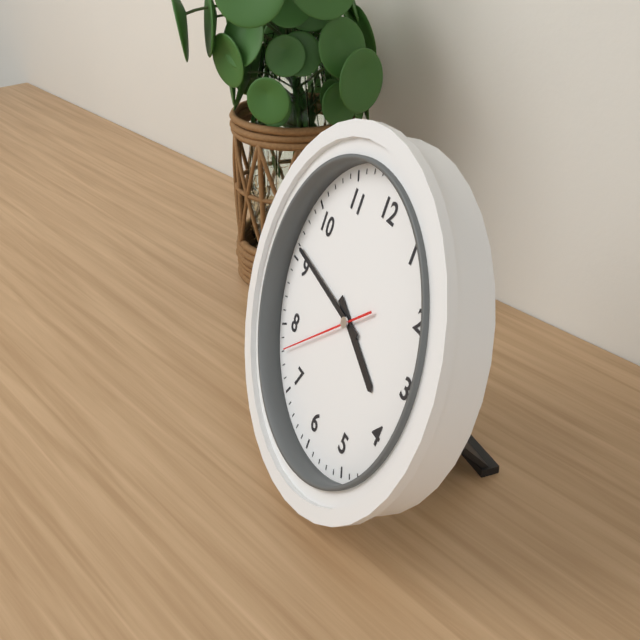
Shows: 3:46:38
